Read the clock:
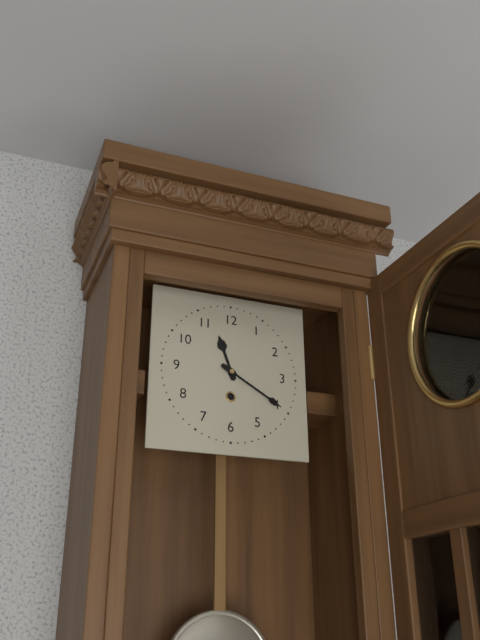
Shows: 11:20
